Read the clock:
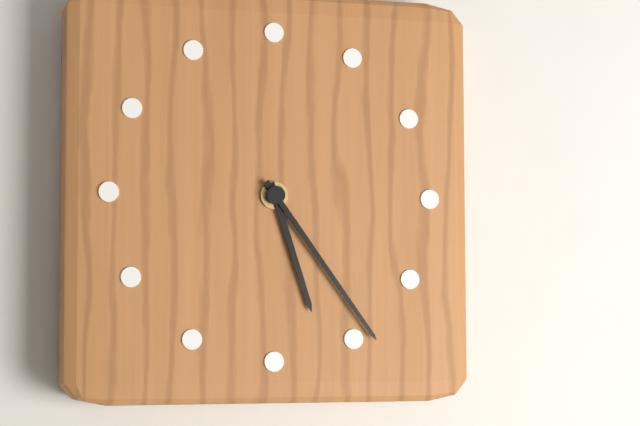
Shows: 5:24
